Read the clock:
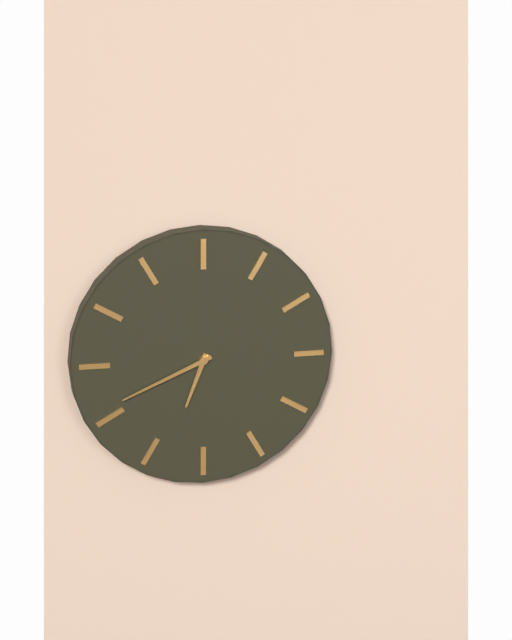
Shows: 6:41
